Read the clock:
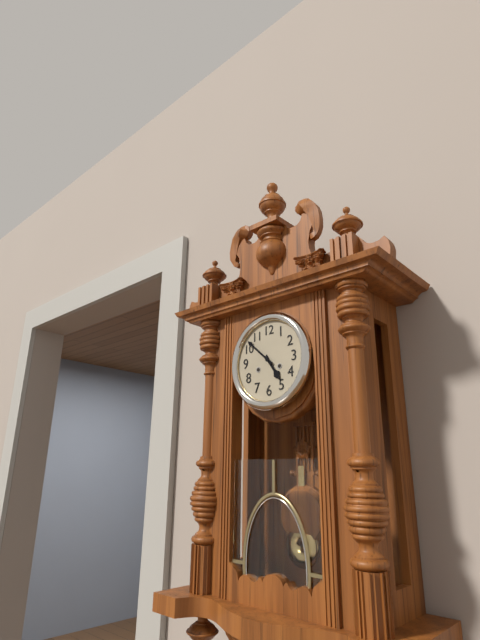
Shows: 4:52
